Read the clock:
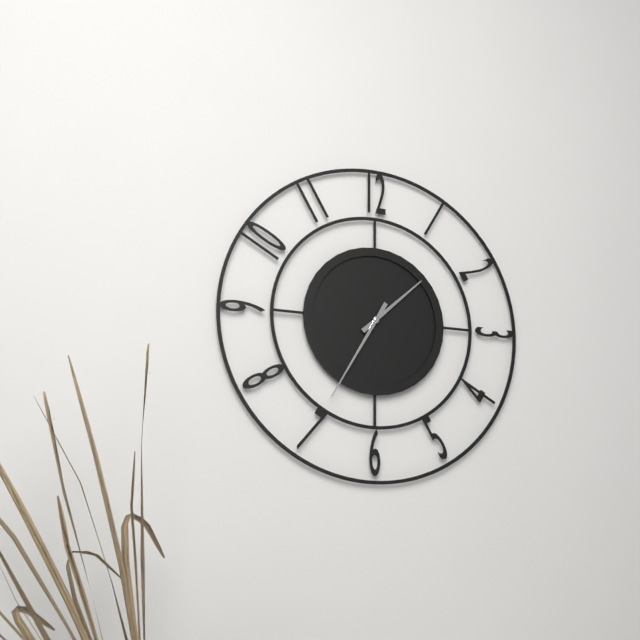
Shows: 1:35
